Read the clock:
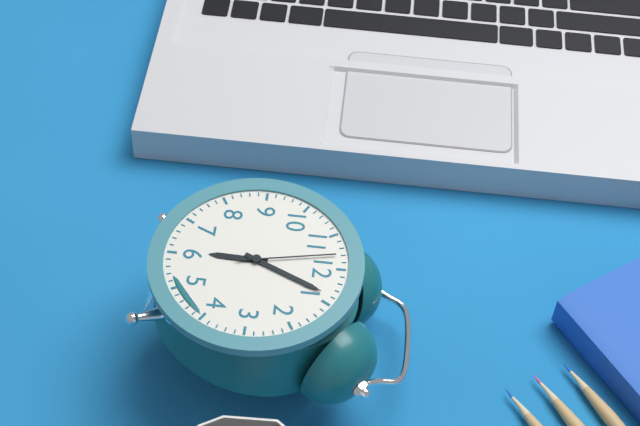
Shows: 6:04:58
